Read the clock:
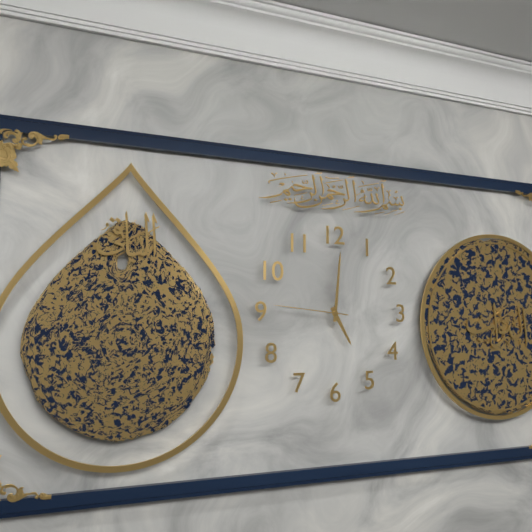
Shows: 5:01:46
